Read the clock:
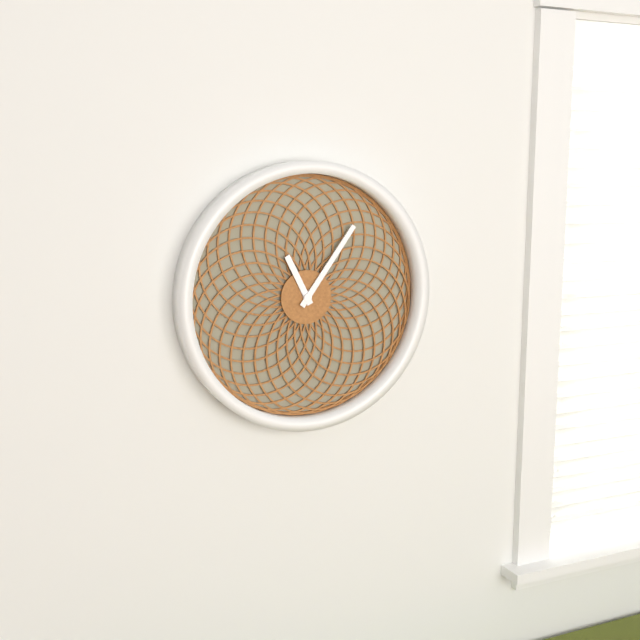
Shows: 11:06
